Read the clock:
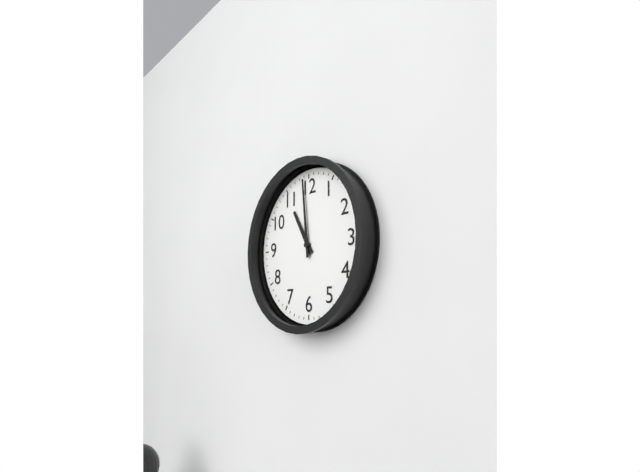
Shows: 10:59
